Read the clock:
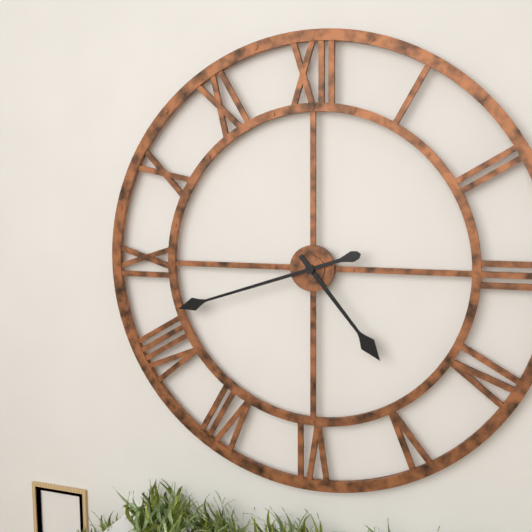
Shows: 4:42
